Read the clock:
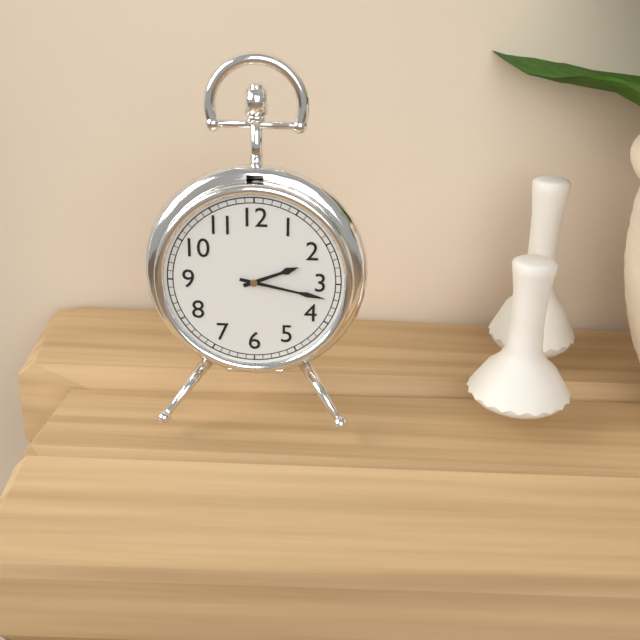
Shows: 2:17
